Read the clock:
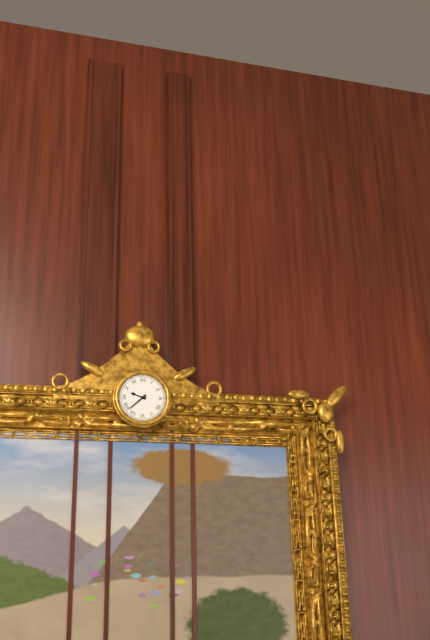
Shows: 9:38
